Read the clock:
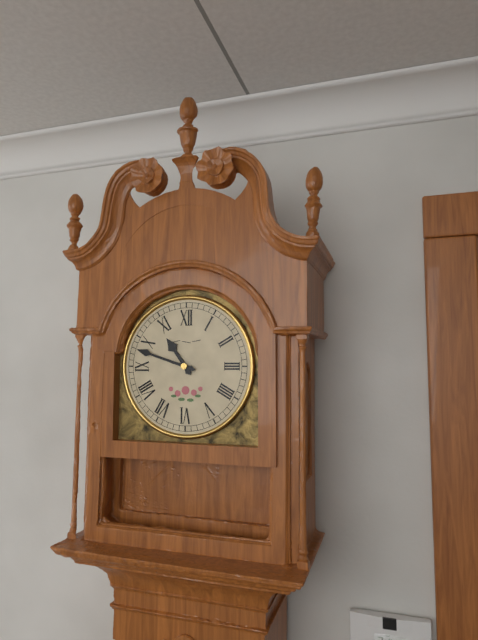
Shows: 10:48
